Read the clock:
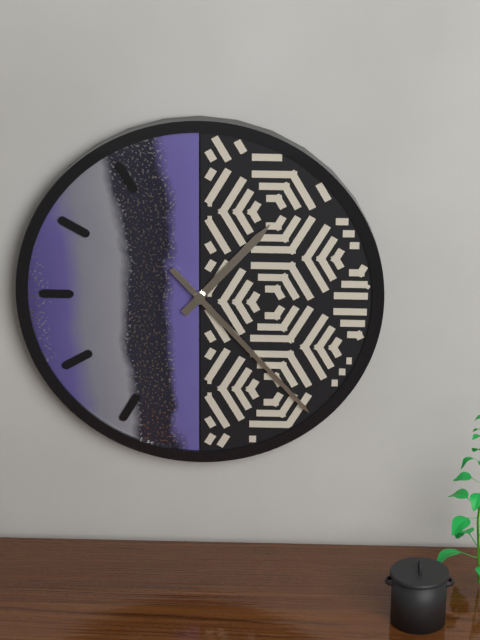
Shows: 1:23
